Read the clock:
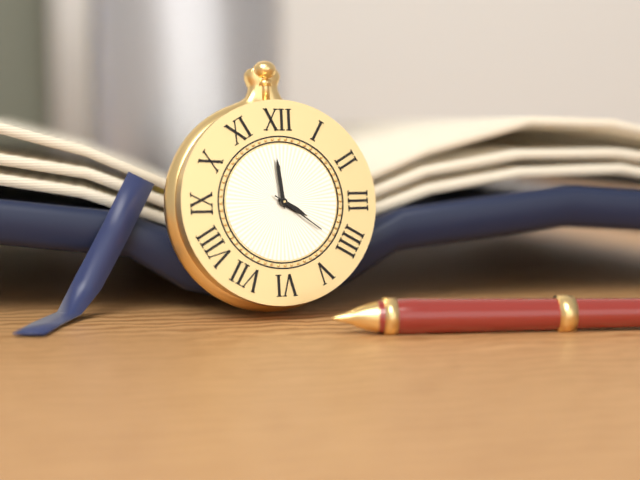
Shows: 3:59:21
